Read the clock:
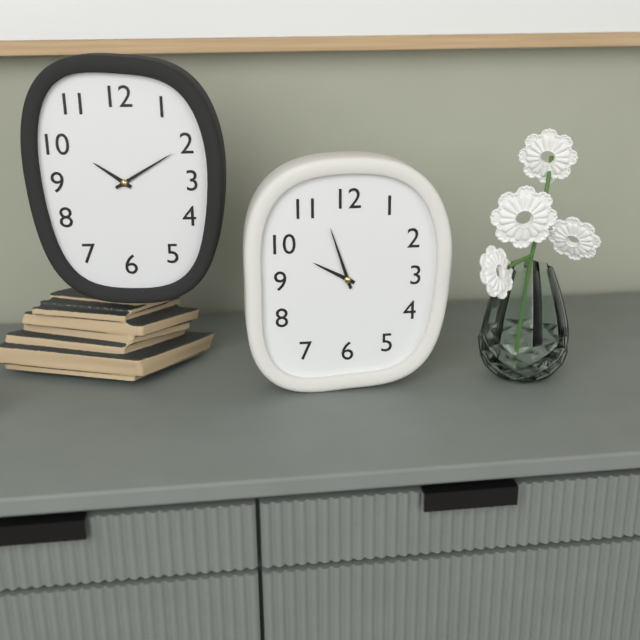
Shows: 9:57
